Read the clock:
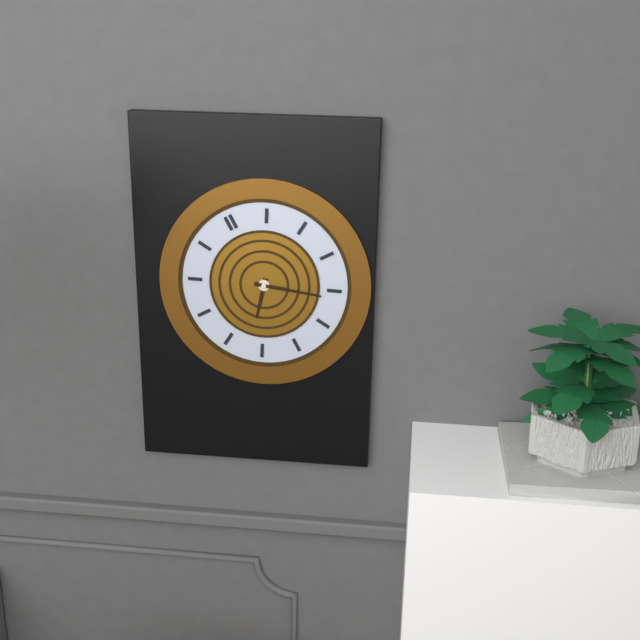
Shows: 7:21
